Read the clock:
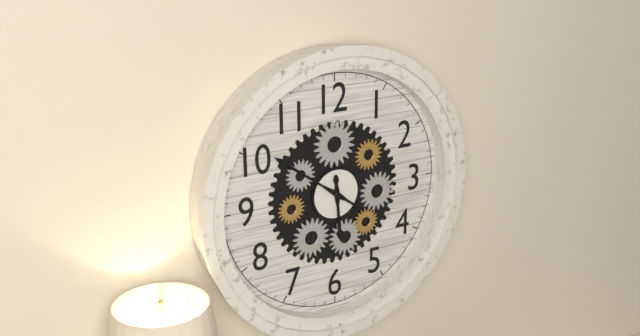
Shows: 5:51
